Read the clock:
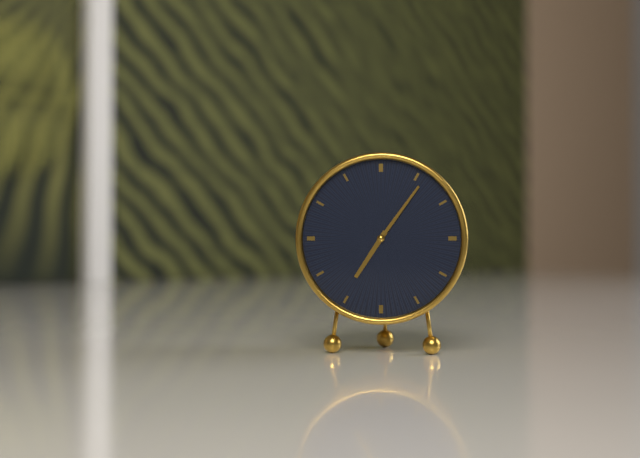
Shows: 7:06
